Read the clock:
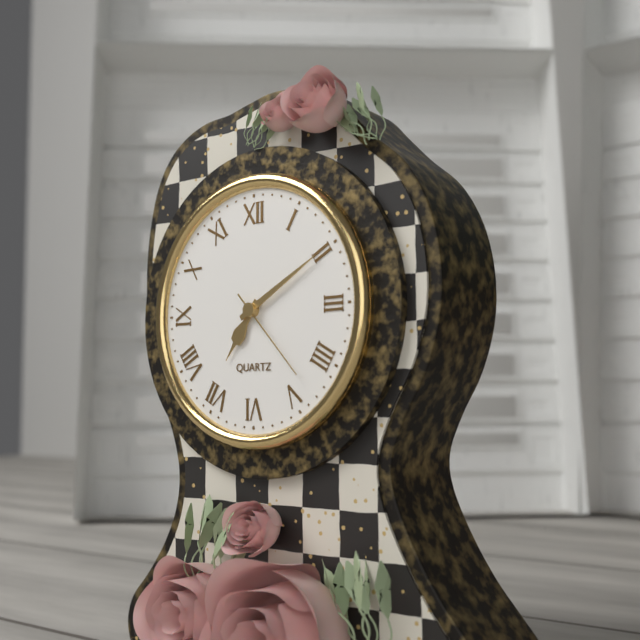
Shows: 7:10:23
